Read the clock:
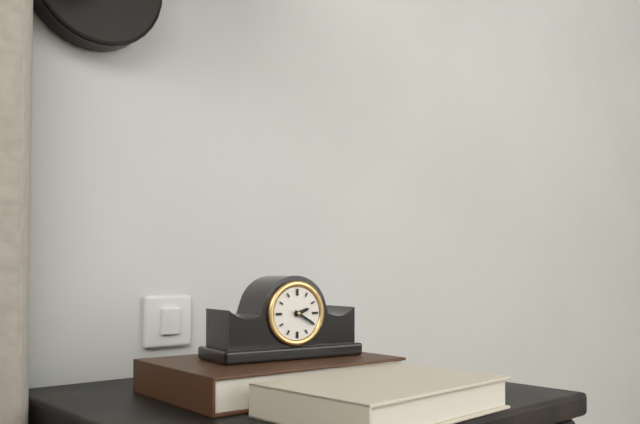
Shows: 2:20
